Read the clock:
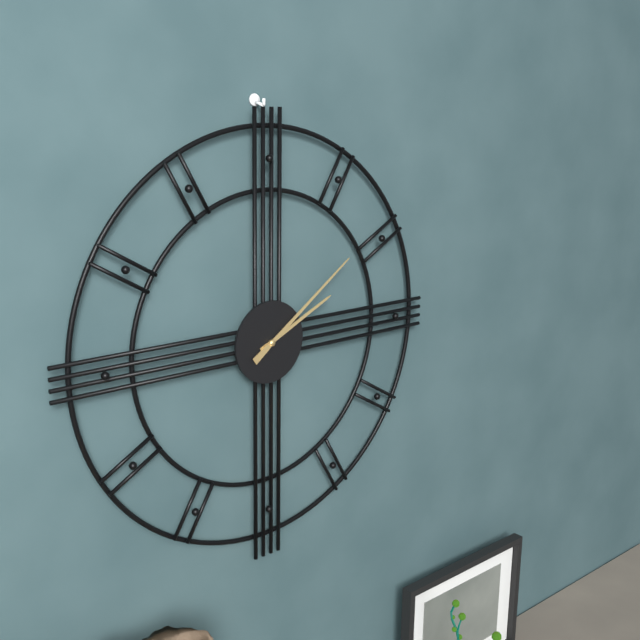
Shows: 2:09
